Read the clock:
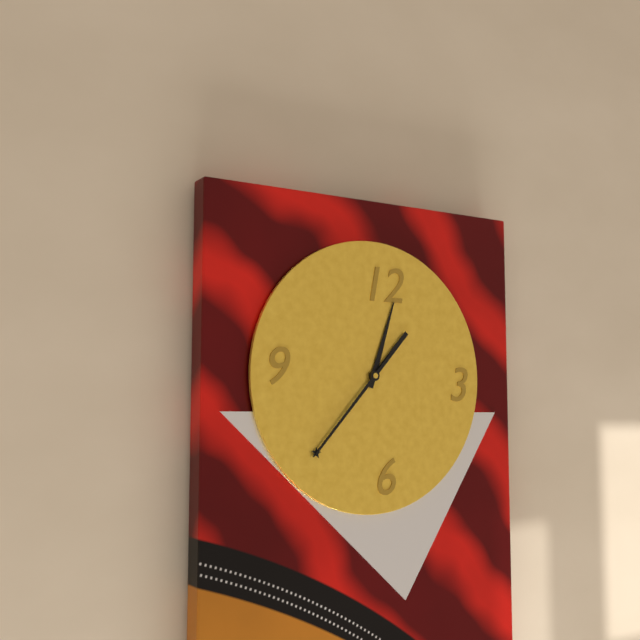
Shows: 12:37:37
